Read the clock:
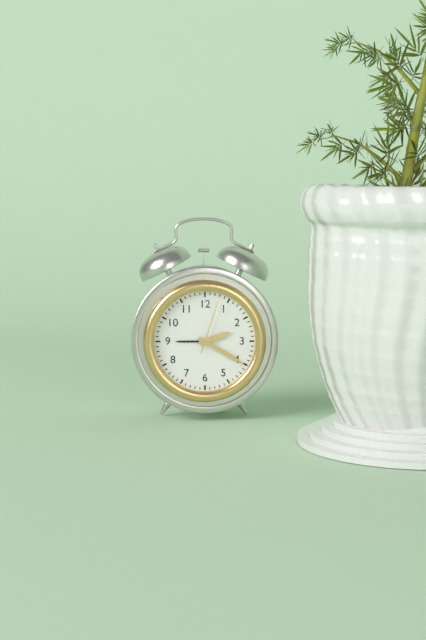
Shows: 2:20:03
